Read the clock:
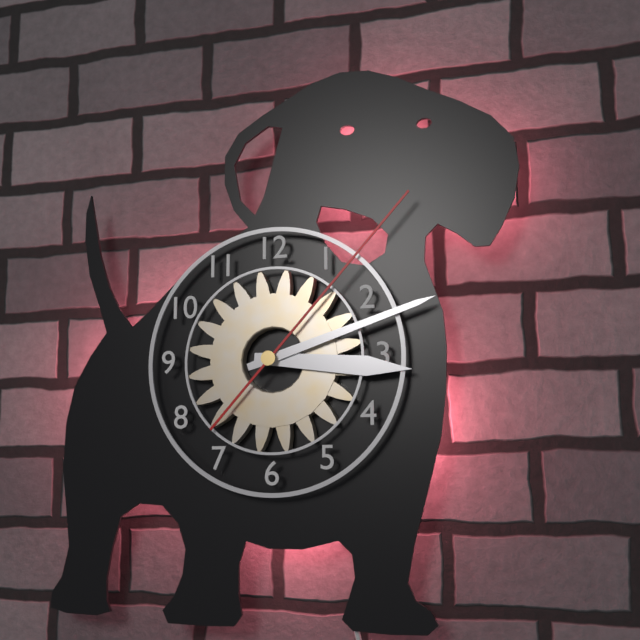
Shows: 3:12:07
